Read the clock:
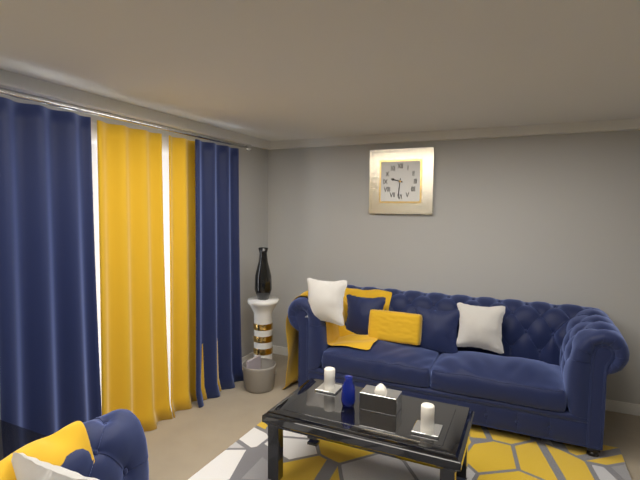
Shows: 9:31
